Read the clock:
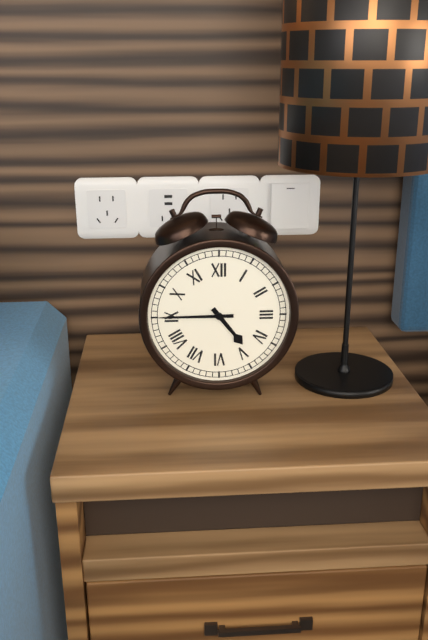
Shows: 4:45
